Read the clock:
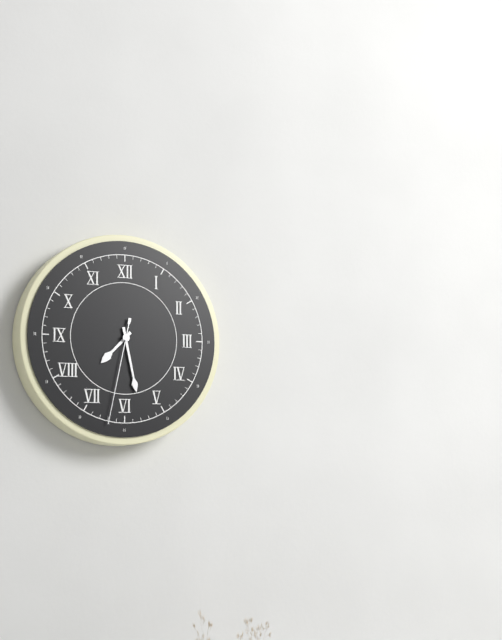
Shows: 7:28:32
